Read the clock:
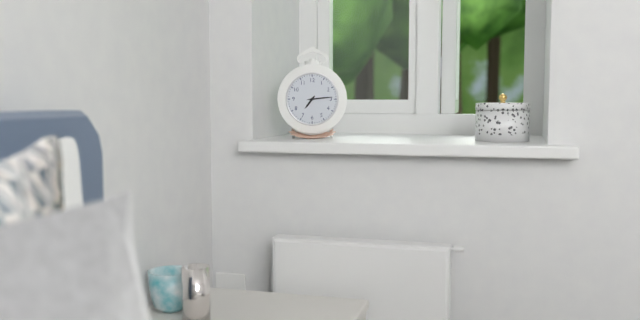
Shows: 7:14
